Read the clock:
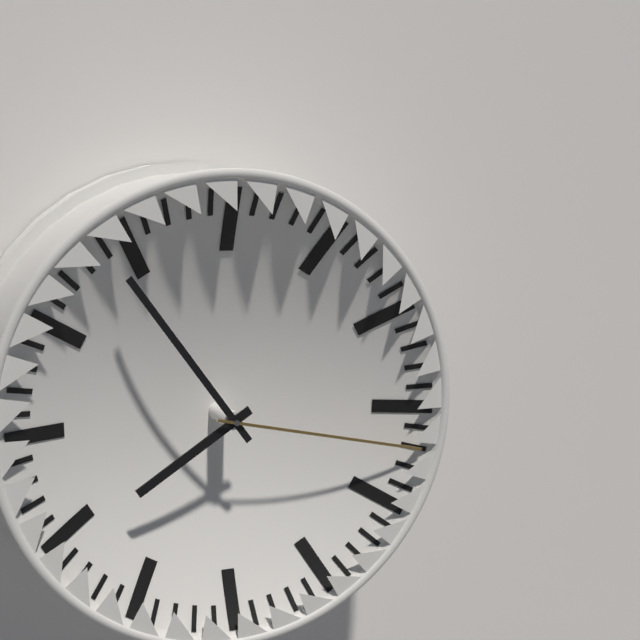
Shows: 7:54:17
